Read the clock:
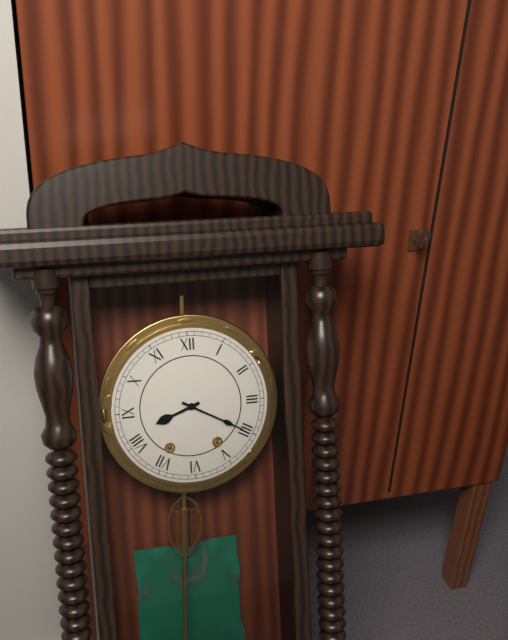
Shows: 8:20
